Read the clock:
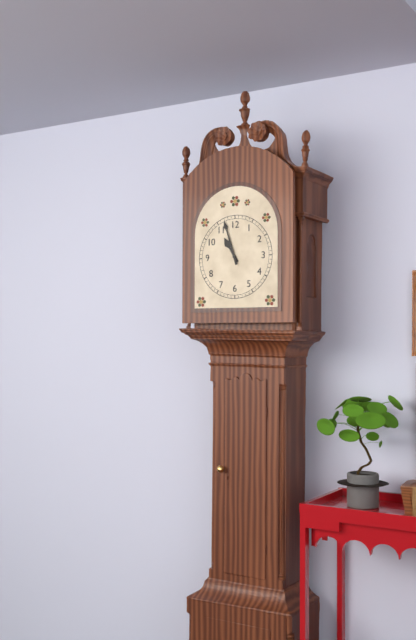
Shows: 10:57
